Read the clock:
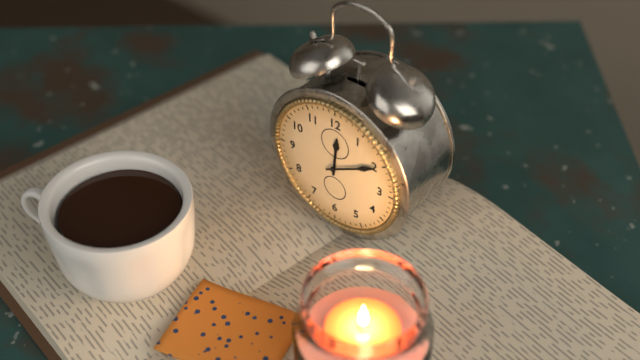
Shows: 12:10
